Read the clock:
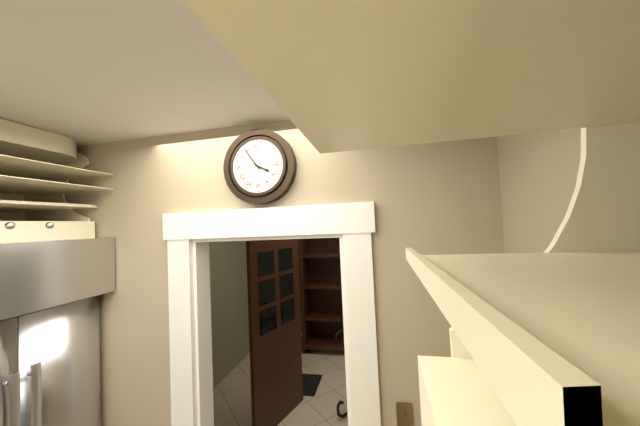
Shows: 3:54
